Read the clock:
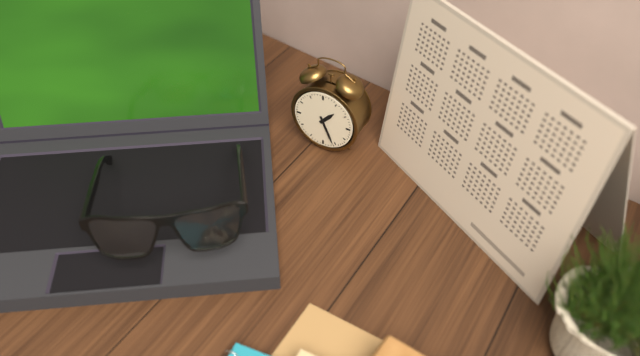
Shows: 1:26
